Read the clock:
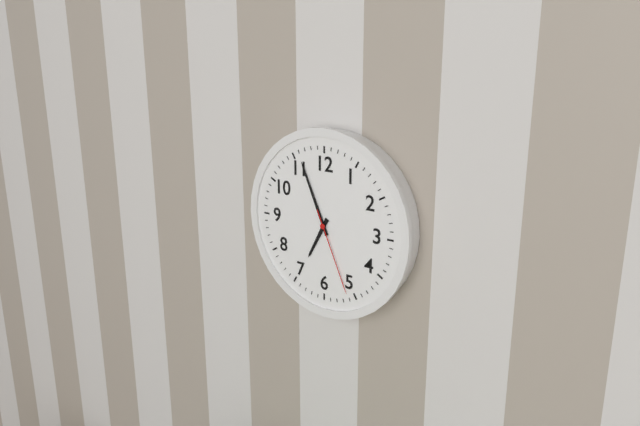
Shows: 6:56:26
